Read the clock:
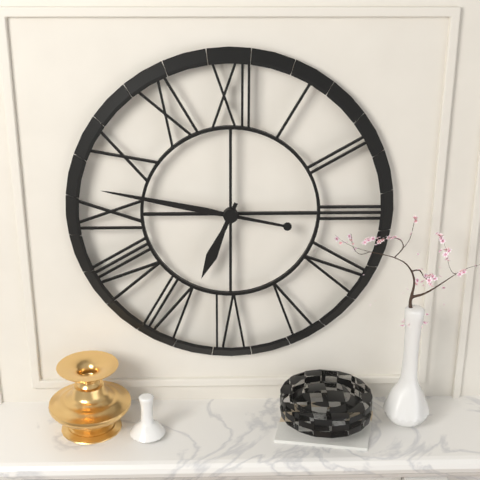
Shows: 6:47
